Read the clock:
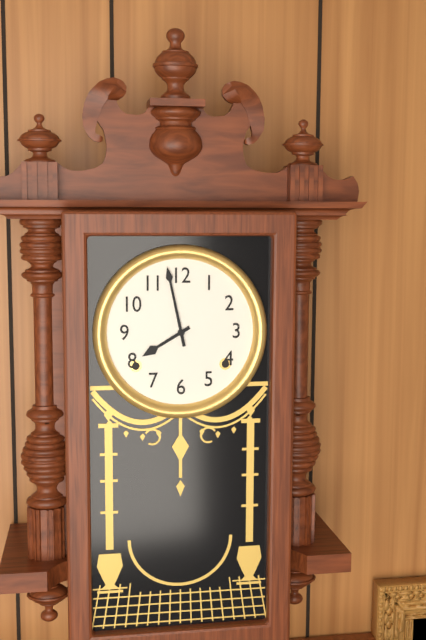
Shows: 7:58
